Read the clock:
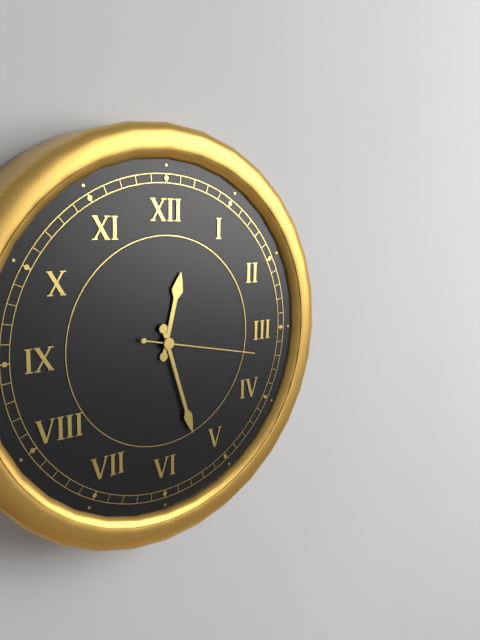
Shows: 12:27:17
